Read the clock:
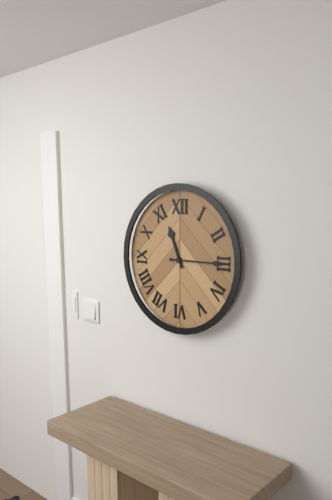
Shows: 11:15
